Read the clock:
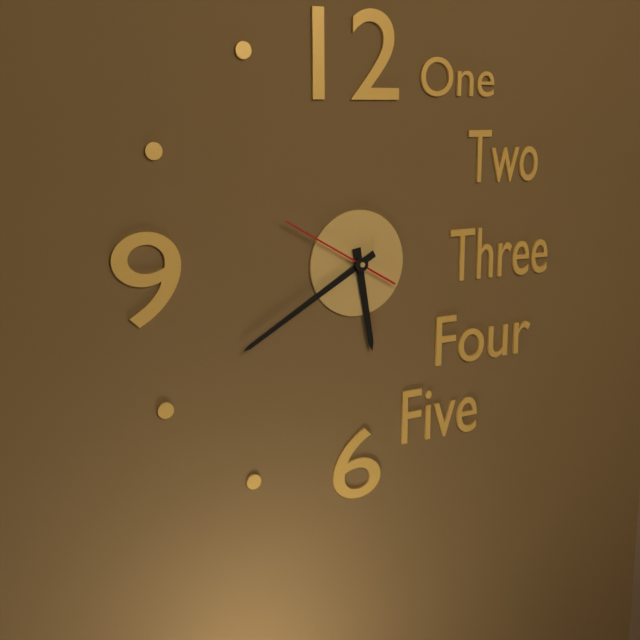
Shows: 5:40:50
